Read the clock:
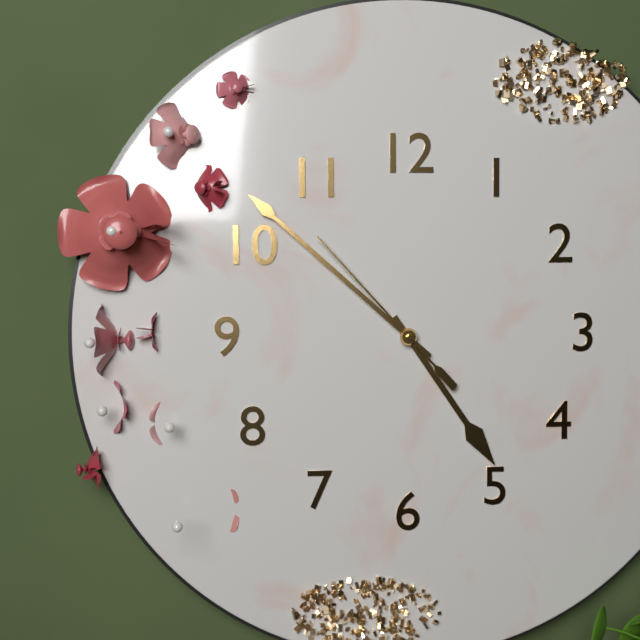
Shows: 4:52:53
